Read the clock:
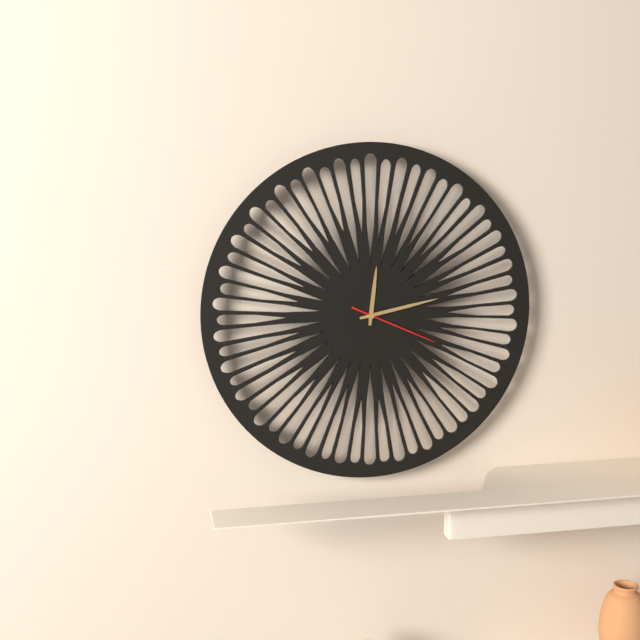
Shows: 12:13:19
